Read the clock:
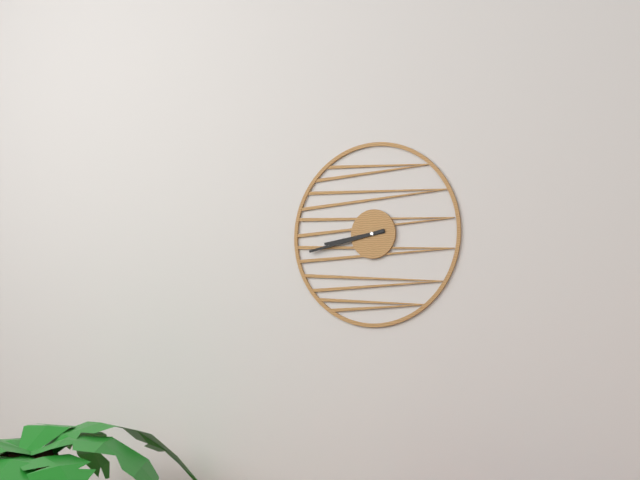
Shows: 8:43
